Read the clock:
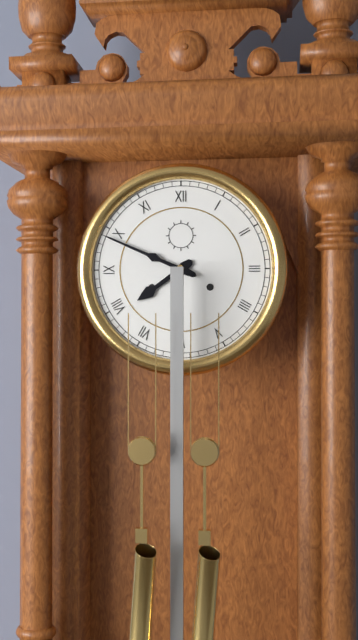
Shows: 7:49
